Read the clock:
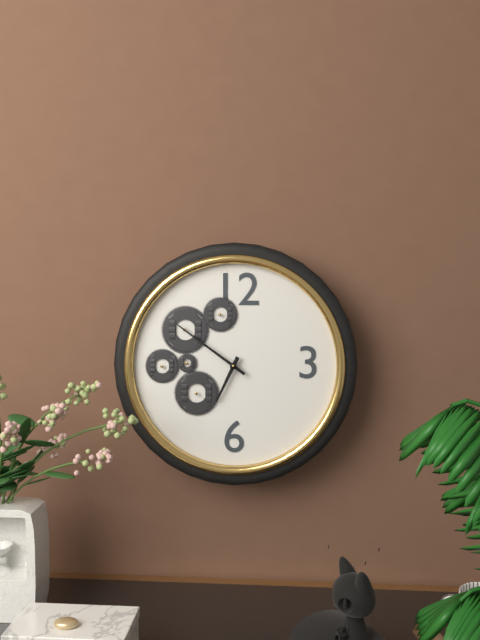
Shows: 6:51
